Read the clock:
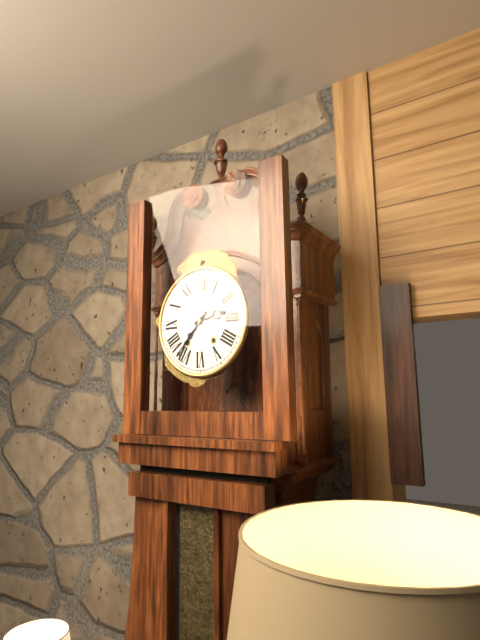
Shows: 2:37
